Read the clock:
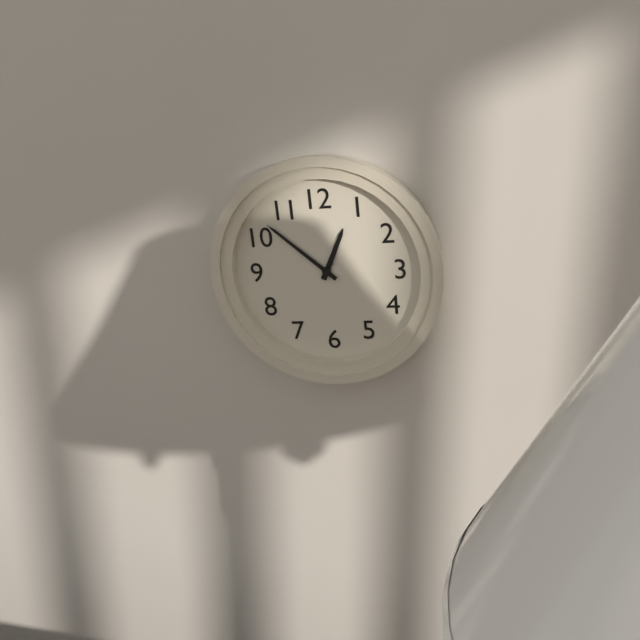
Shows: 12:52
